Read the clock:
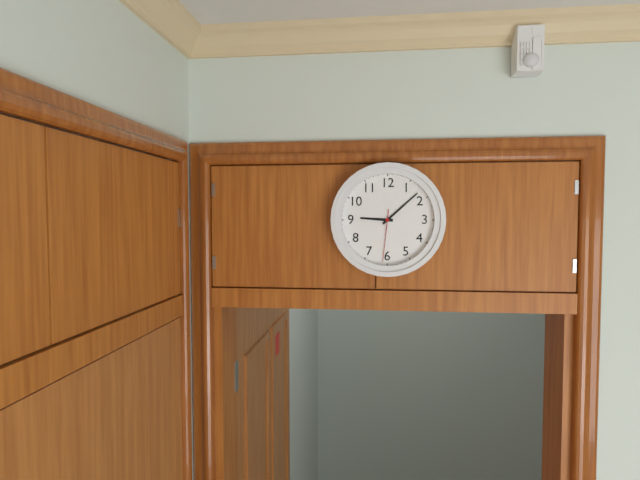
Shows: 9:08:31
